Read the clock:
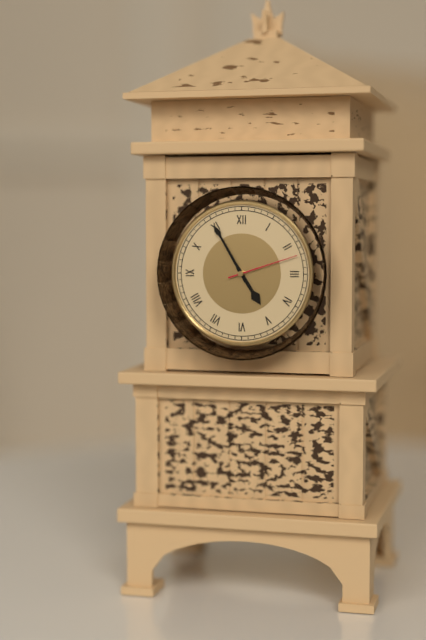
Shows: 4:55:12
